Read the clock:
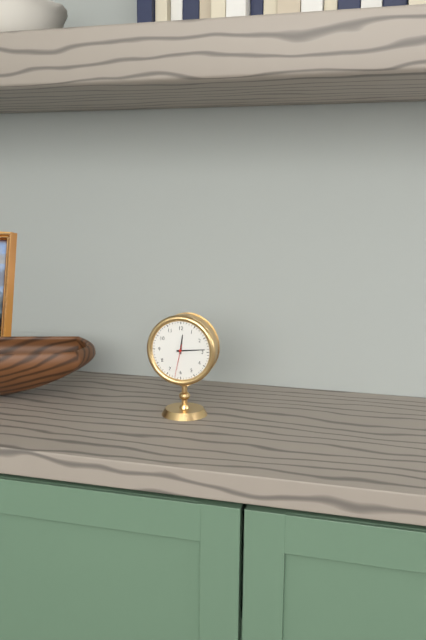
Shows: 12:14
